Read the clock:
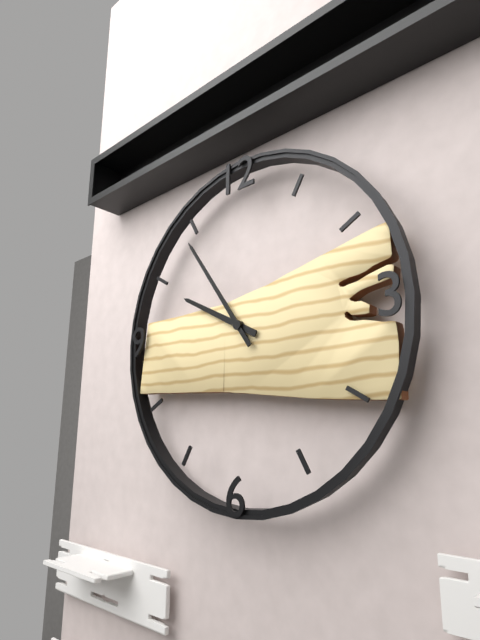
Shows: 9:54
